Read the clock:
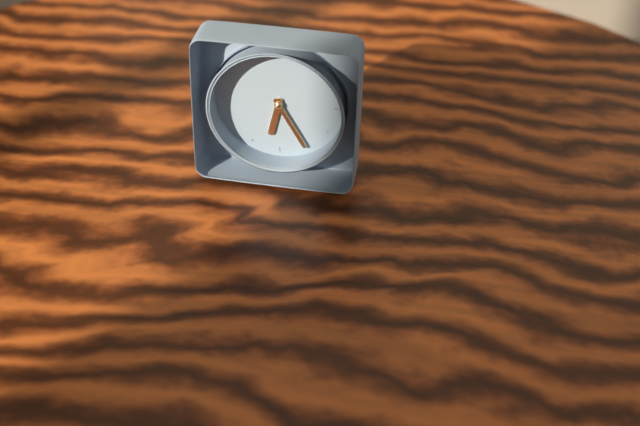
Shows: 6:25
